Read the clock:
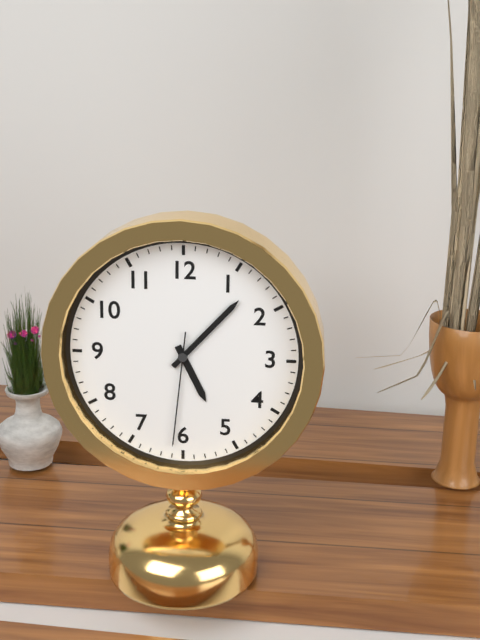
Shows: 5:07:31
